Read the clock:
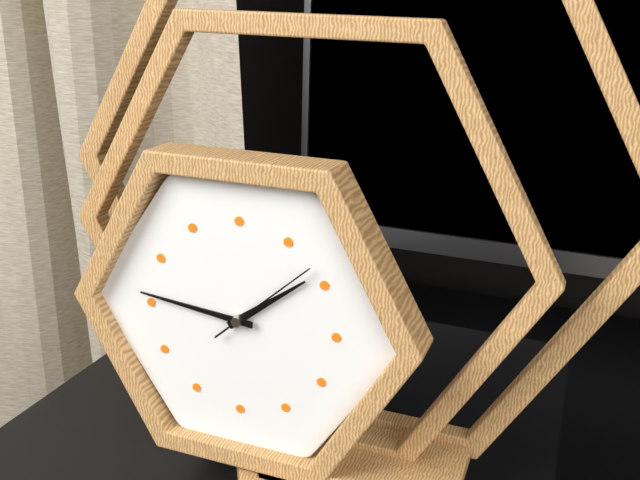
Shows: 1:46:08
